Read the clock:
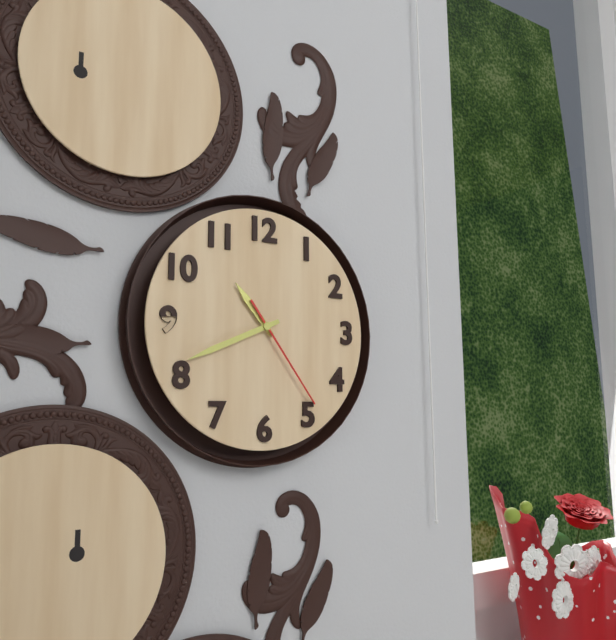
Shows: 10:41:24
